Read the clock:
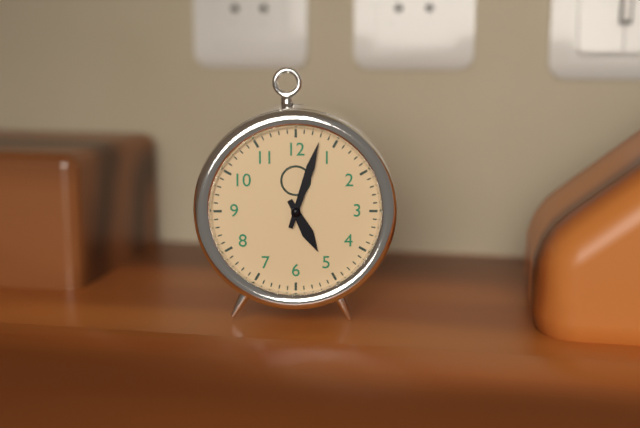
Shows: 5:03
